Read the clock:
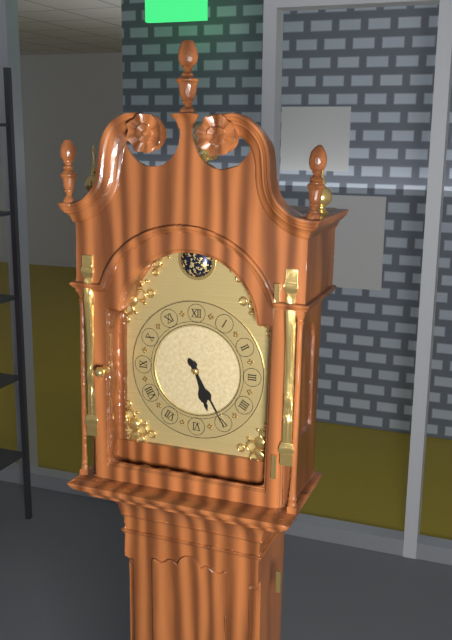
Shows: 5:25
